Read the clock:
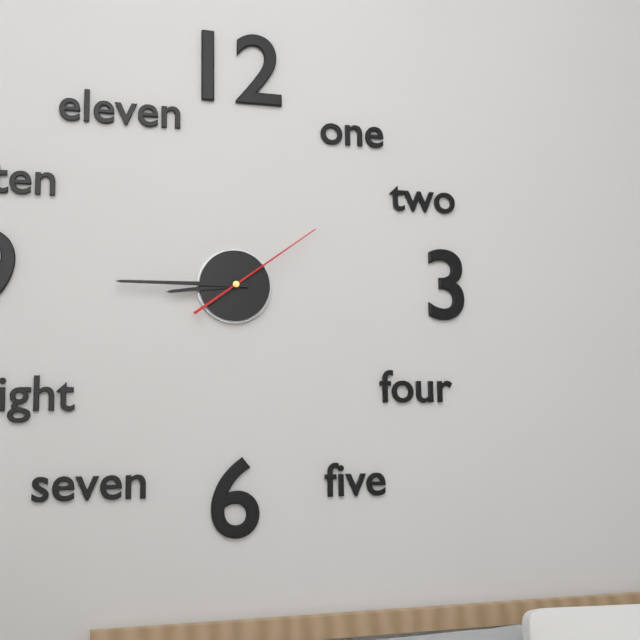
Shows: 8:45:09
